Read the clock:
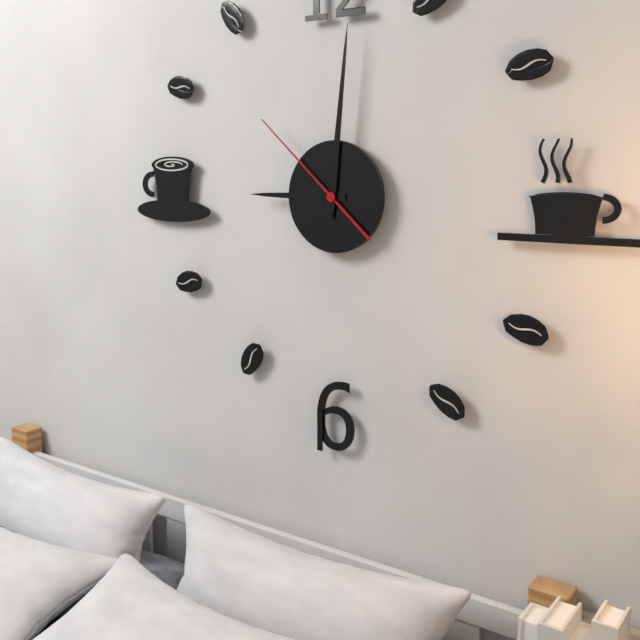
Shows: 9:01:52
